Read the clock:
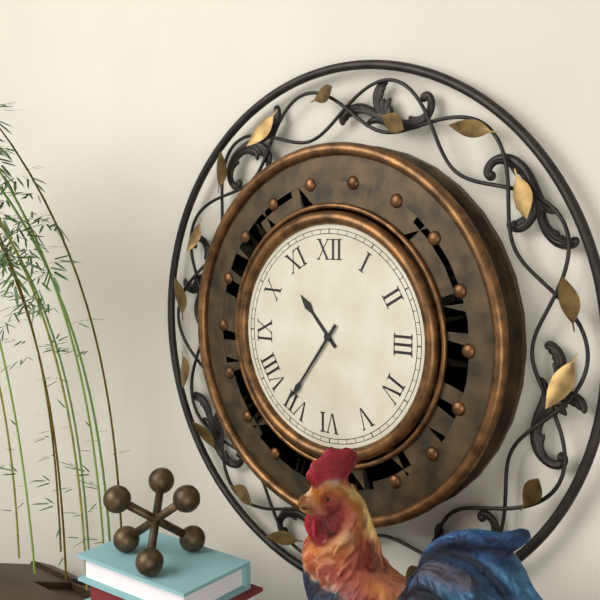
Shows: 10:36
